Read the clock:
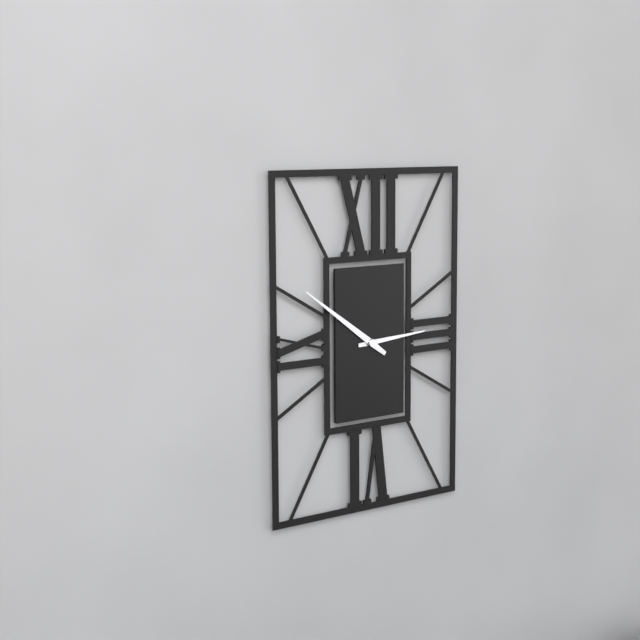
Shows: 2:51
